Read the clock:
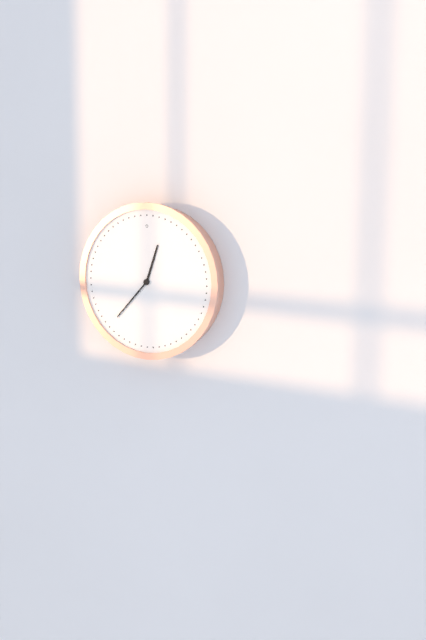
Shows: 12:37
